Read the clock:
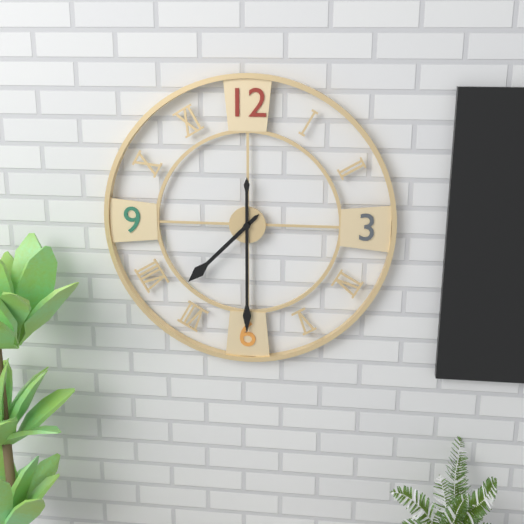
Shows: 7:30
